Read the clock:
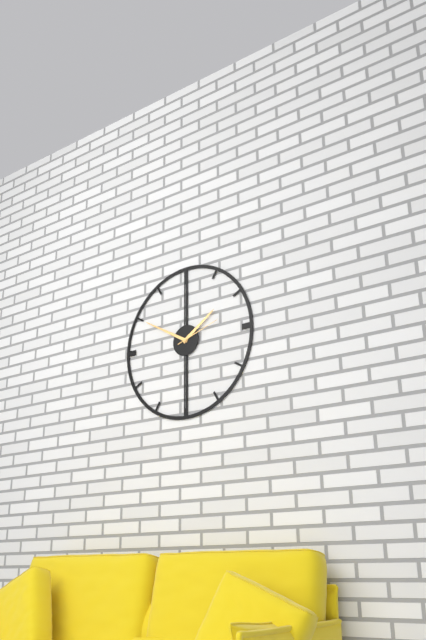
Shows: 1:50
